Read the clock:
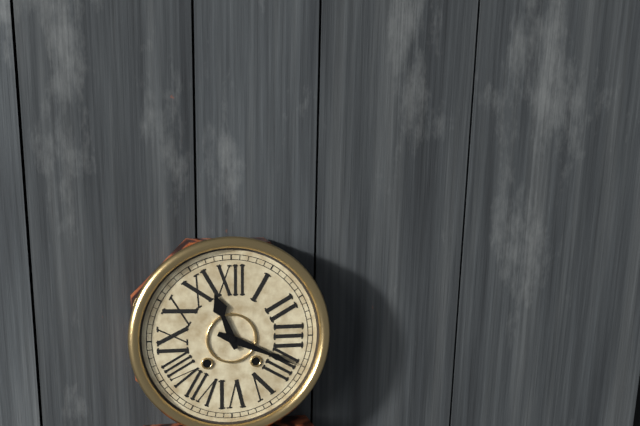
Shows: 11:19
